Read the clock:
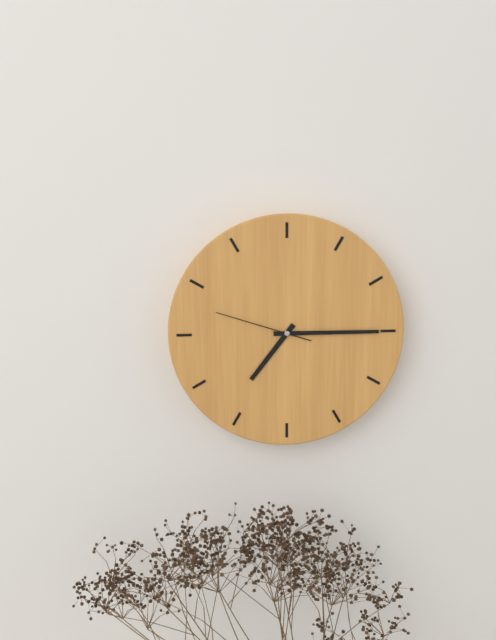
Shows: 7:15:48
